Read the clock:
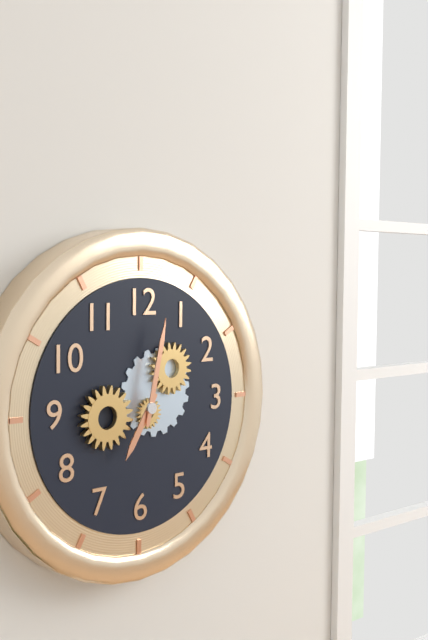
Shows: 7:02
